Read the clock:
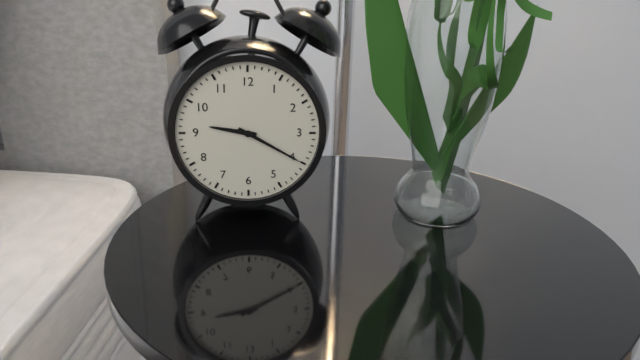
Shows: 9:20
